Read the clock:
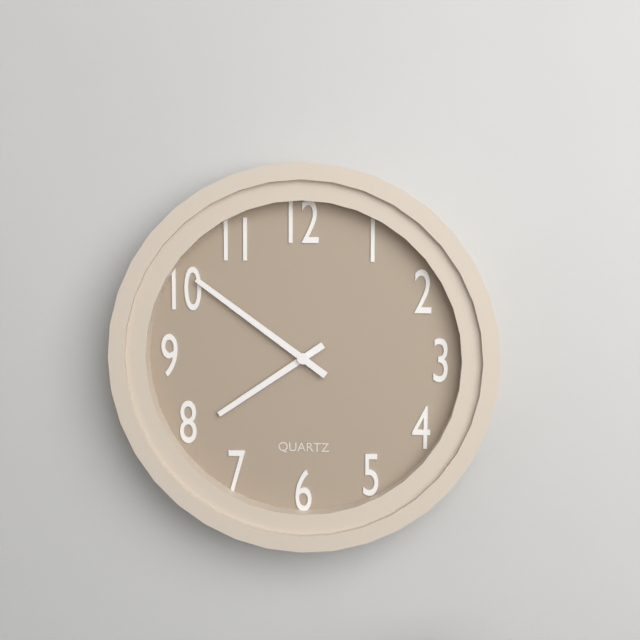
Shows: 7:51
